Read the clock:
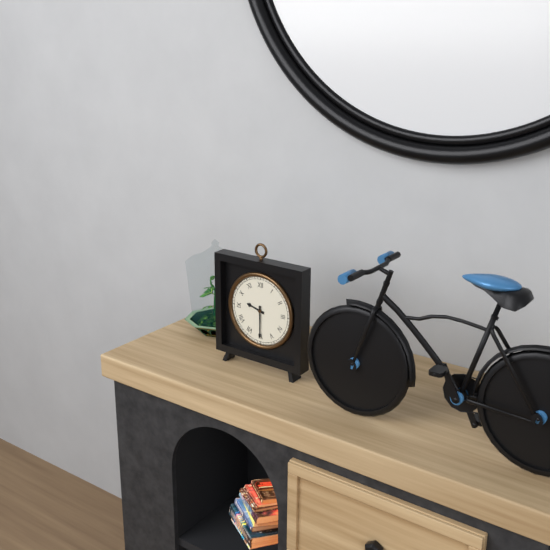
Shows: 9:30
